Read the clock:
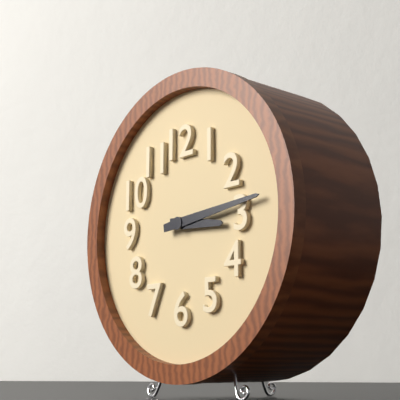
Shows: 3:14
